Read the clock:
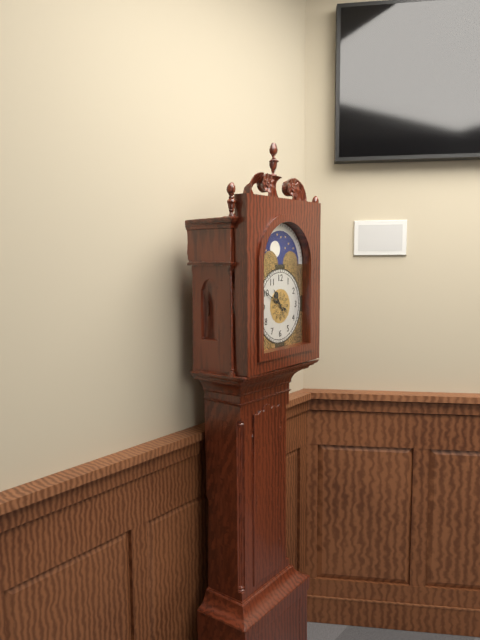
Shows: 10:50
